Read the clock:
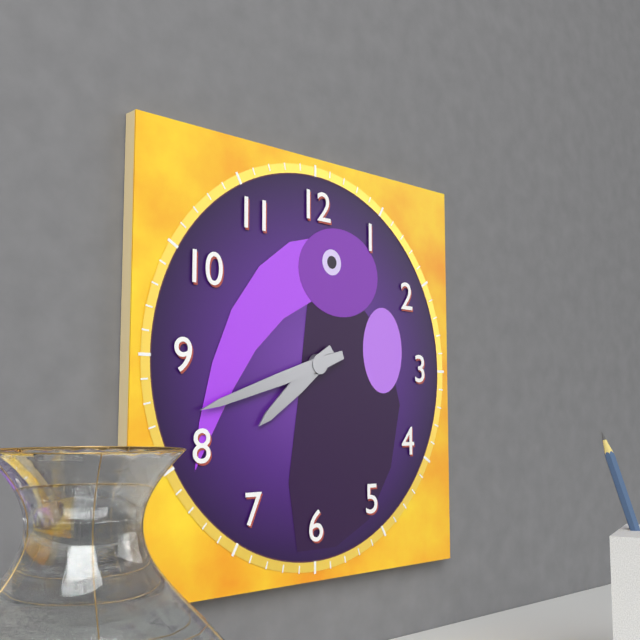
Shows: 7:42
